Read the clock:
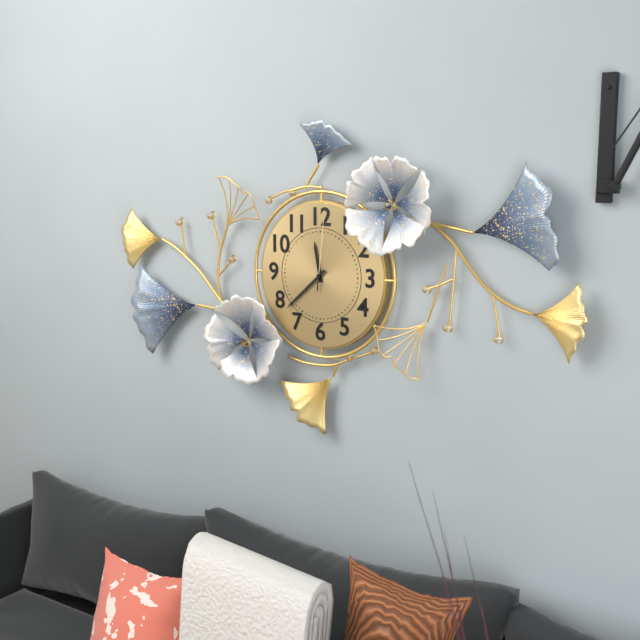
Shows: 11:38:01
